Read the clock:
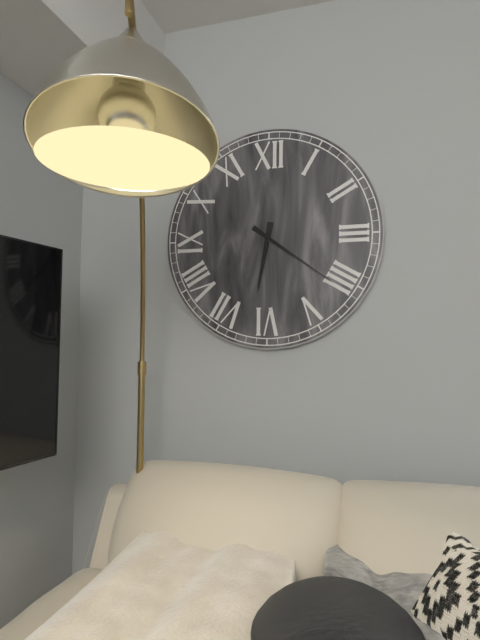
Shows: 6:21
